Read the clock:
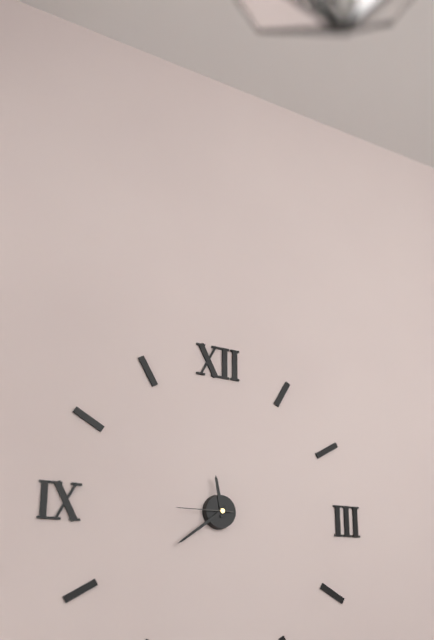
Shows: 11:39:45
